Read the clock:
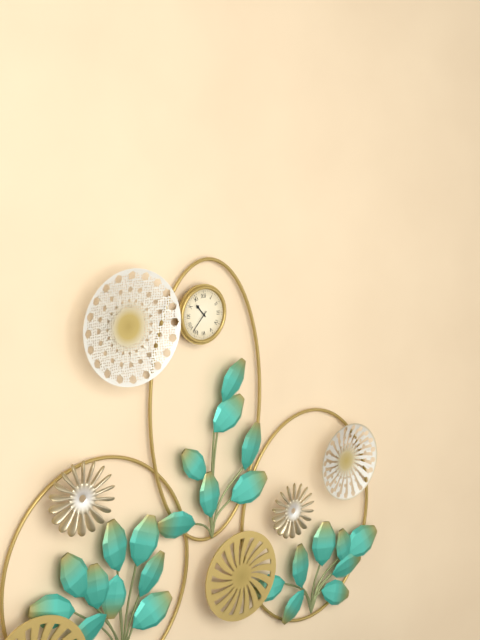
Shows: 10:37
